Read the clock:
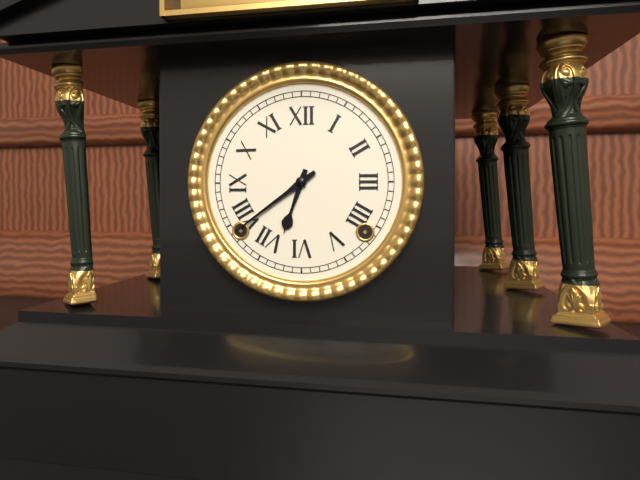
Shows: 6:39
